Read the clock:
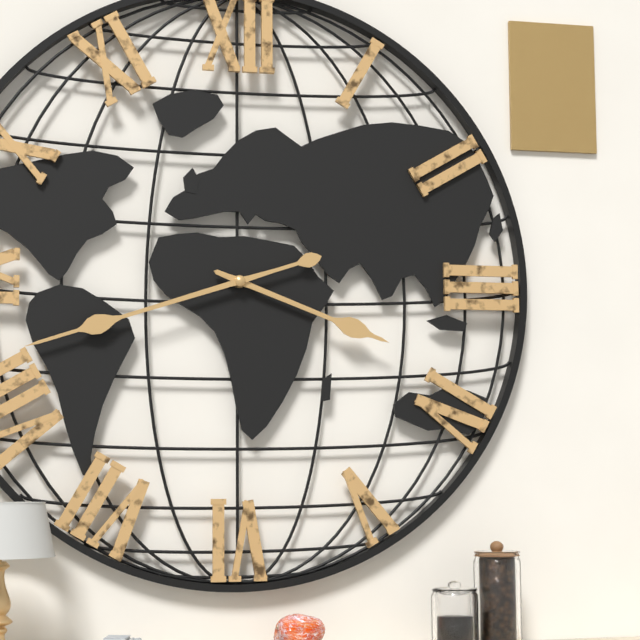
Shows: 3:42
